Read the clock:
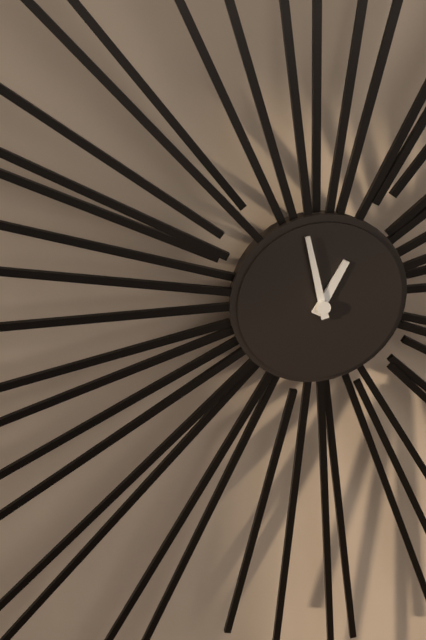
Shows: 12:58
